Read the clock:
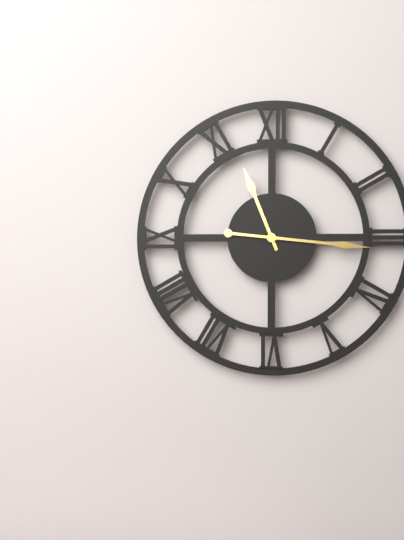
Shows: 11:16
